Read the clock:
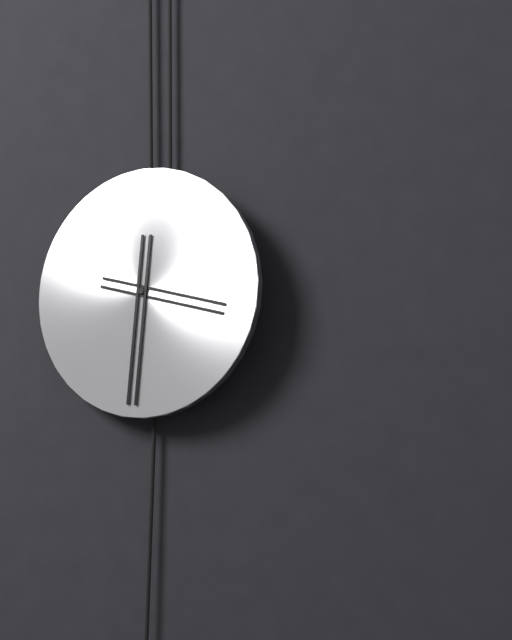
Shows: 3:31
